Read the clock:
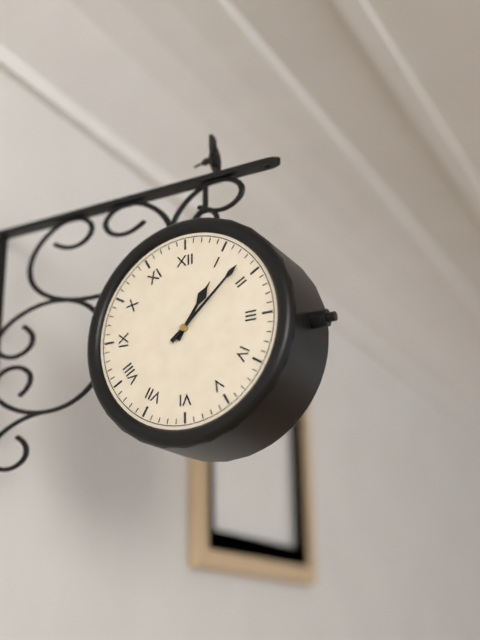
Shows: 1:08
